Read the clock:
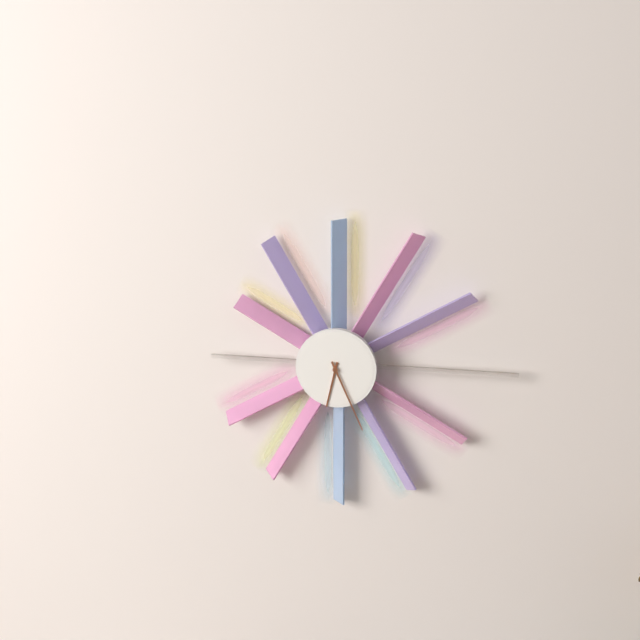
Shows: 6:26
